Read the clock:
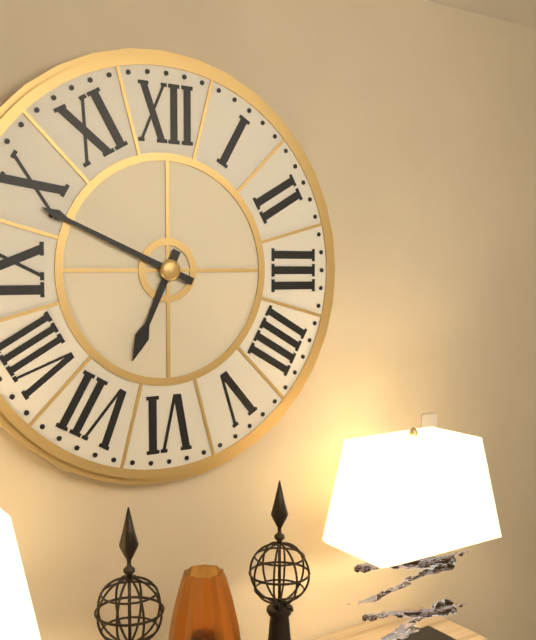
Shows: 6:49
